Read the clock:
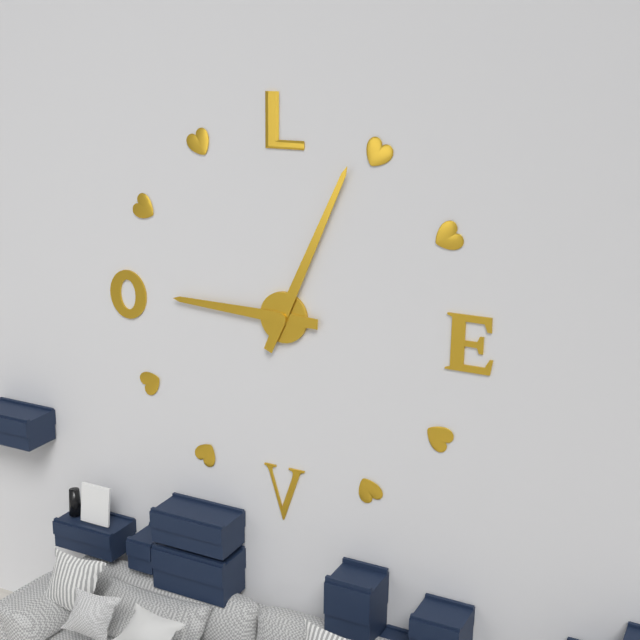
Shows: 9:04
